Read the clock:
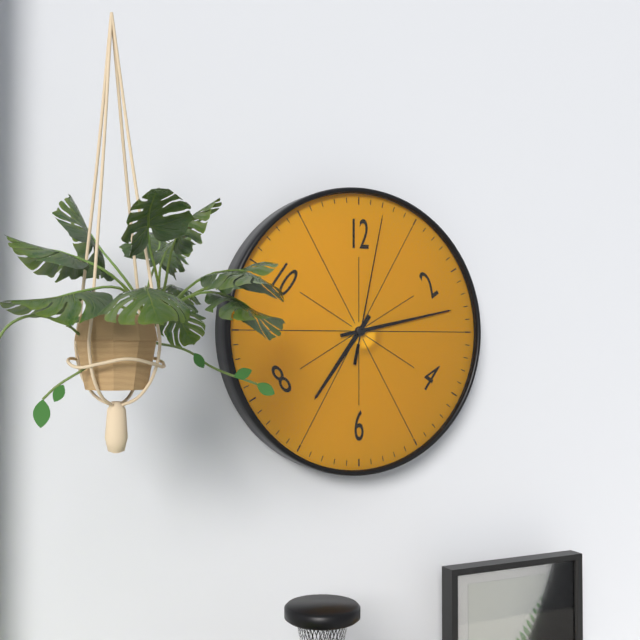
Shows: 7:13:02
